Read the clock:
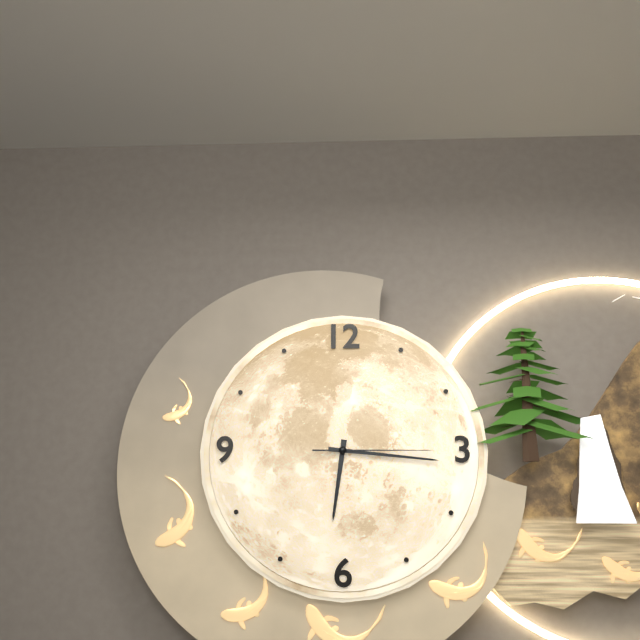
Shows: 6:16:15
